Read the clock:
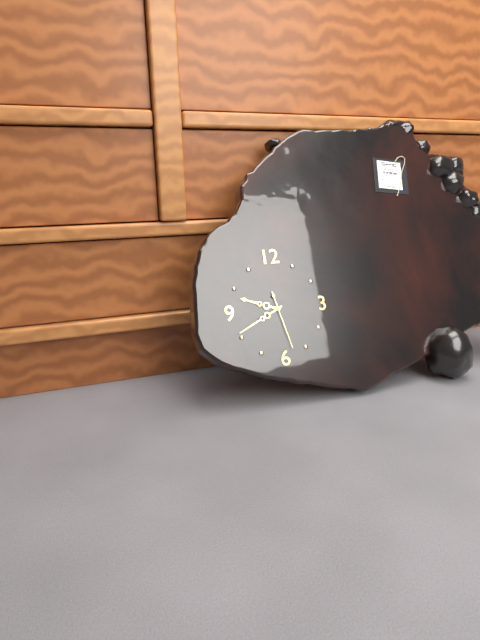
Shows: 9:41:28
